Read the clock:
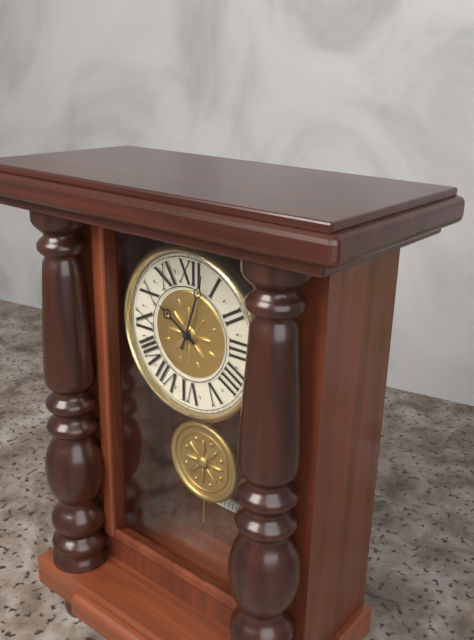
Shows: 10:03
